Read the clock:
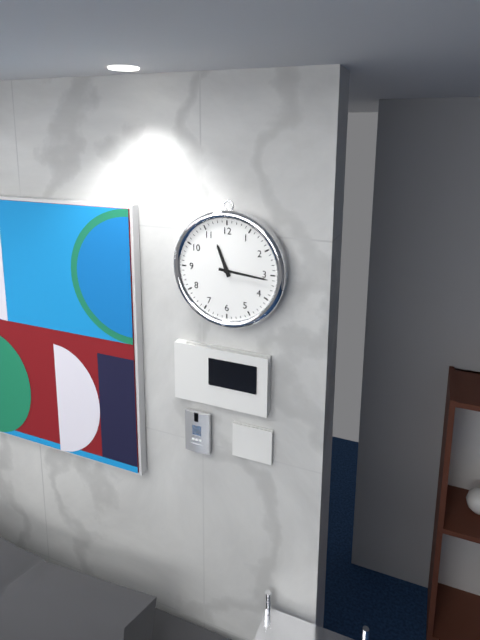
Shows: 11:16
